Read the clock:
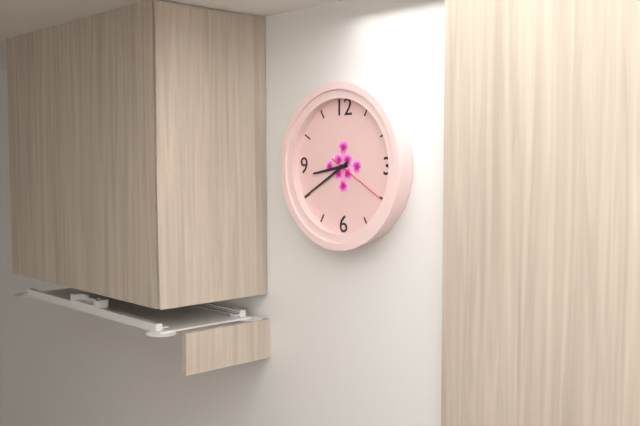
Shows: 8:40:20
